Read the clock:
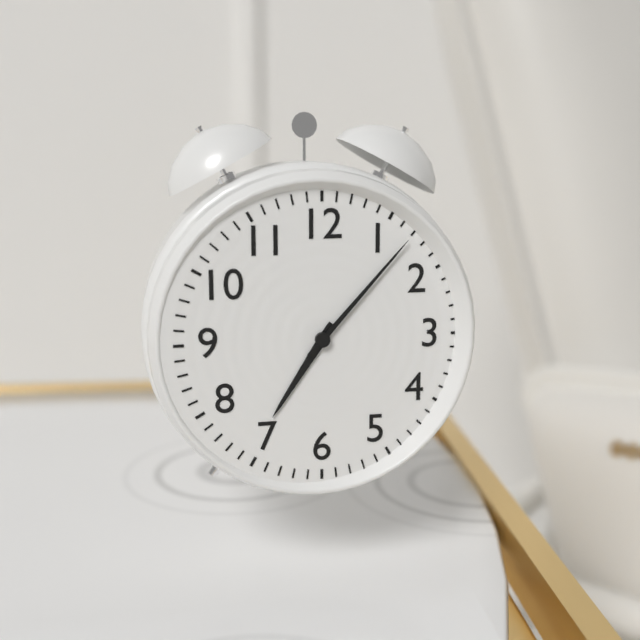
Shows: 7:07
